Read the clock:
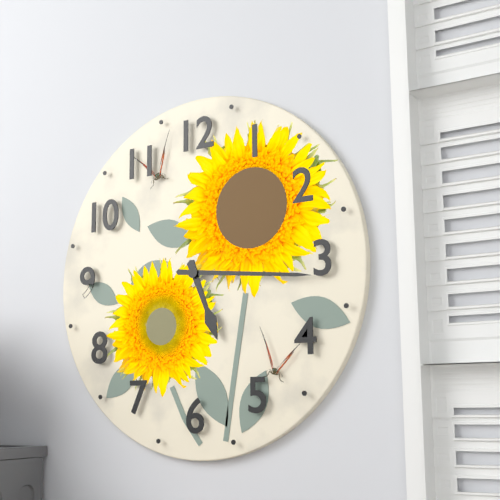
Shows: 5:16
